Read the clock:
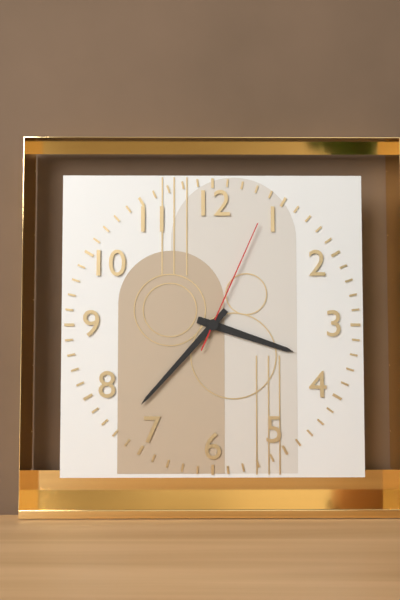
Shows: 3:37:04
